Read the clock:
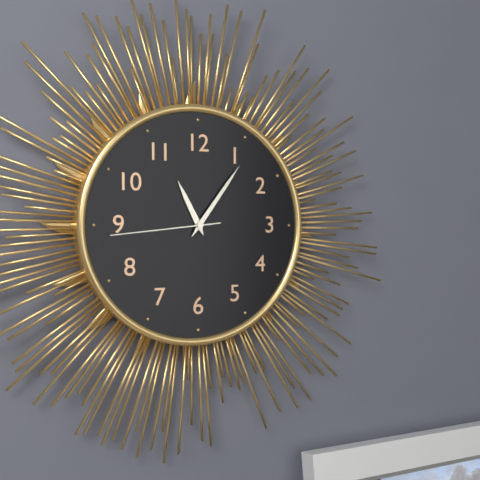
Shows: 11:06:44
